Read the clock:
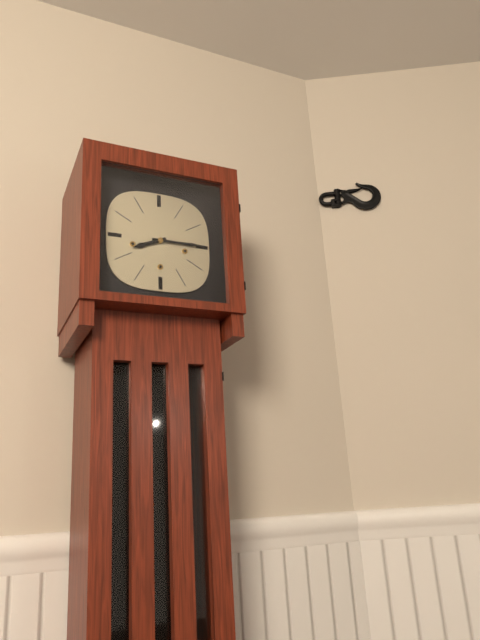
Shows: 8:15
